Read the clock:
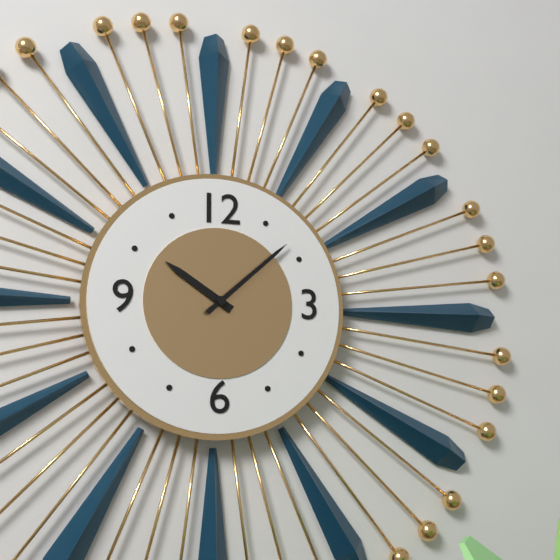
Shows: 10:08
